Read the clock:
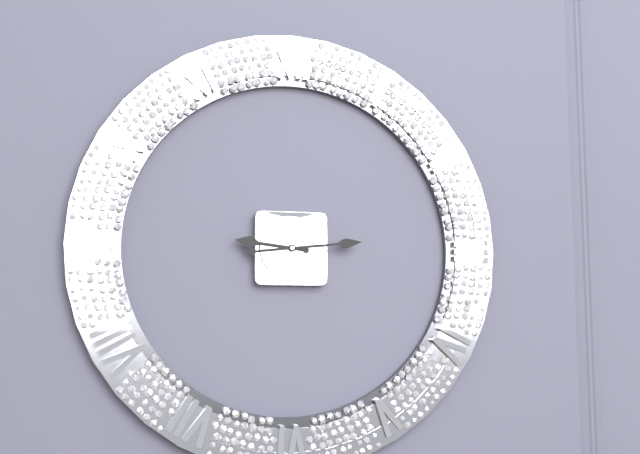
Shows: 9:14
